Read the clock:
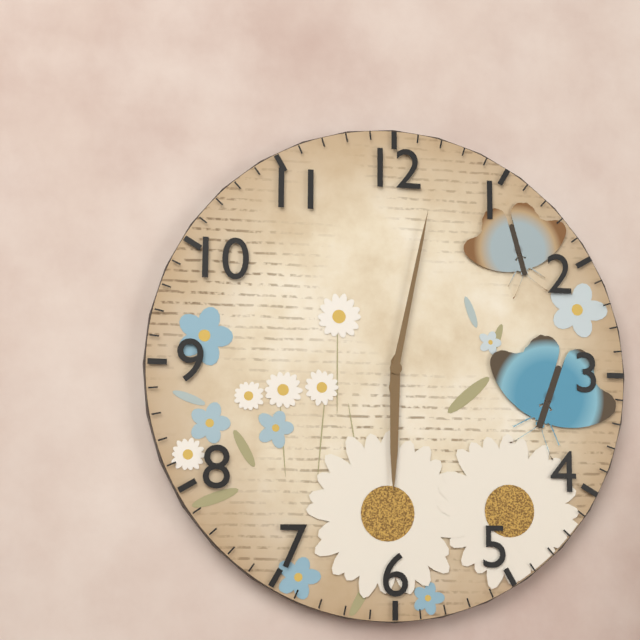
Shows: 6:02
